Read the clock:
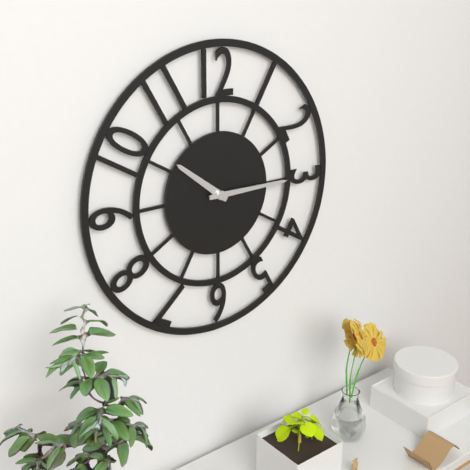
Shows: 10:15
